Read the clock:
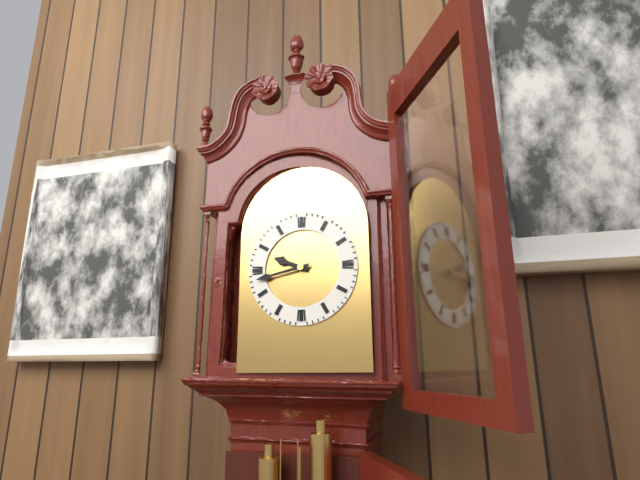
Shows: 9:43
